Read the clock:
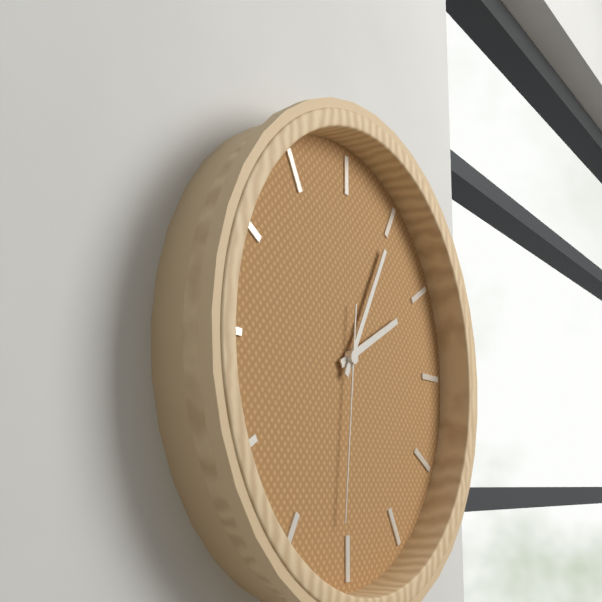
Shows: 2:05:31
